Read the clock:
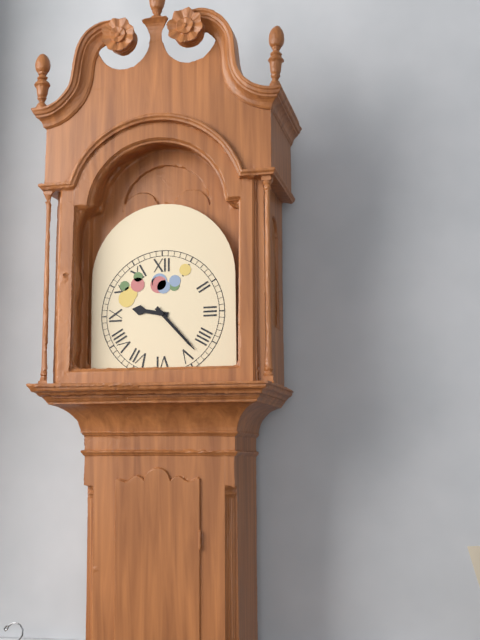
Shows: 9:23
